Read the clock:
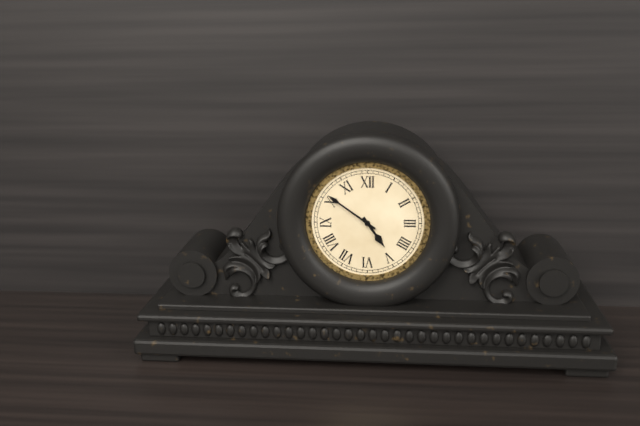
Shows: 4:51
